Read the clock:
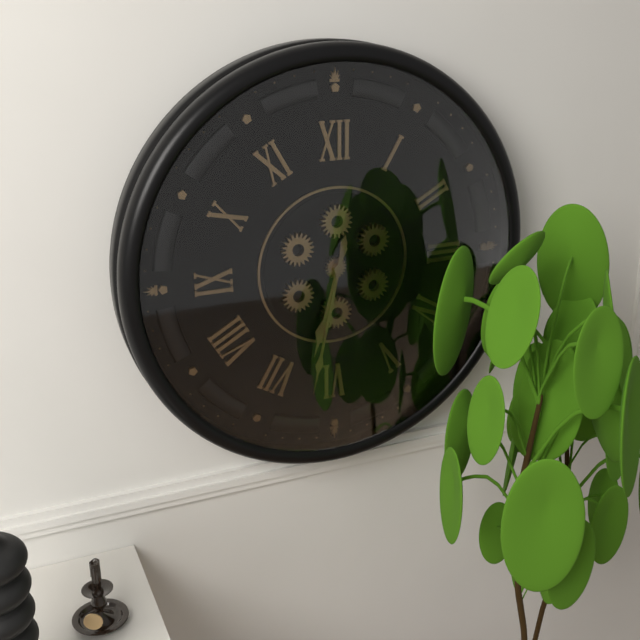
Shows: 6:32
